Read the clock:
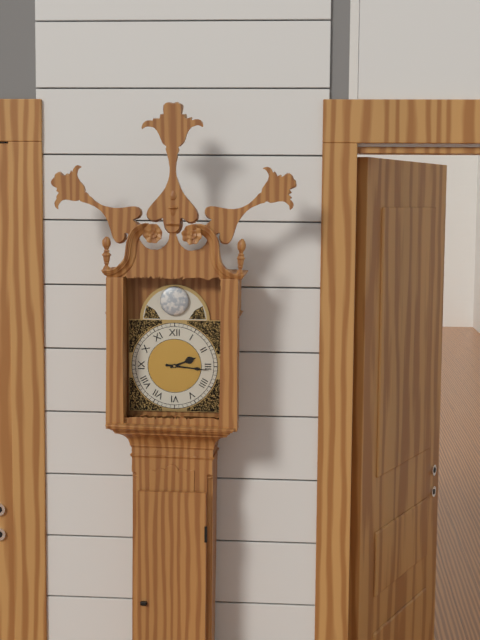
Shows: 2:16
